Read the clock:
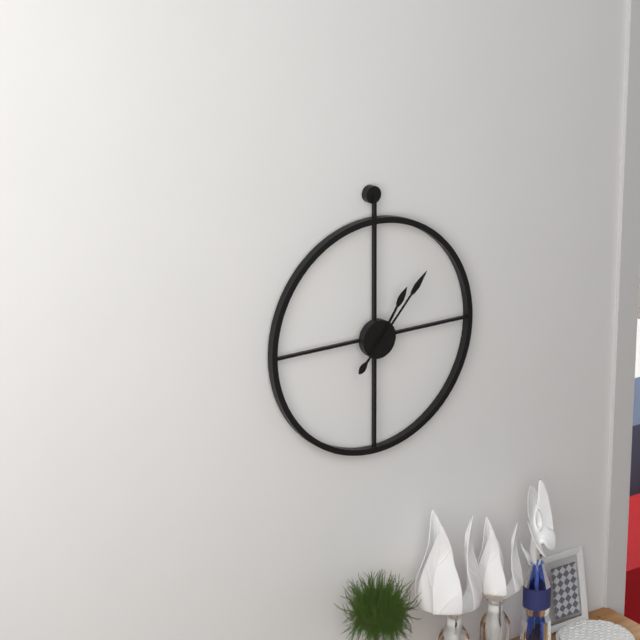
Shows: 1:07
